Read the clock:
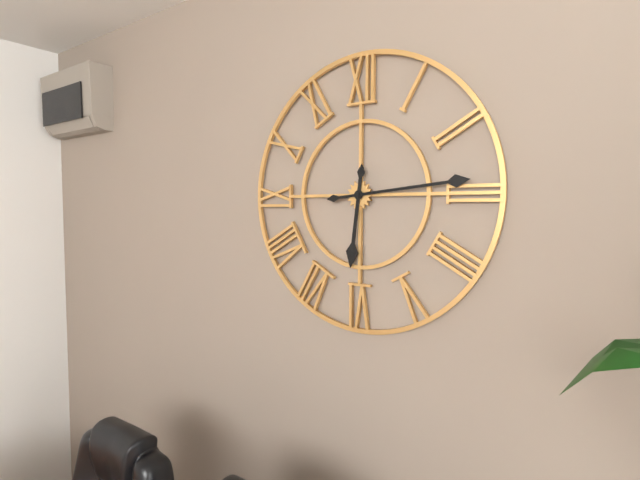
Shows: 6:14
